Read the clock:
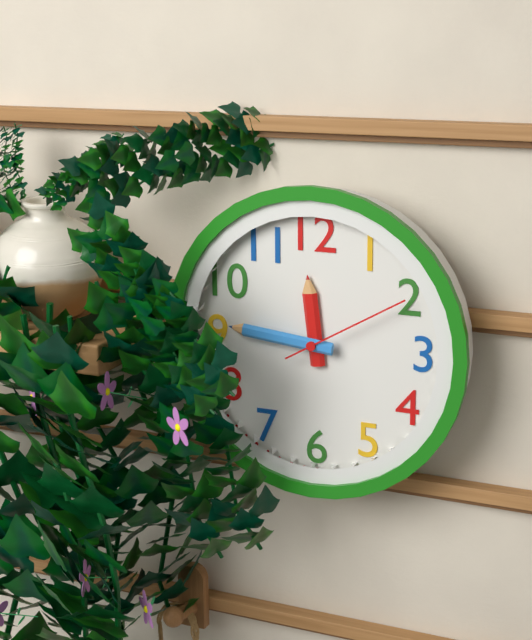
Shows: 11:46:10
